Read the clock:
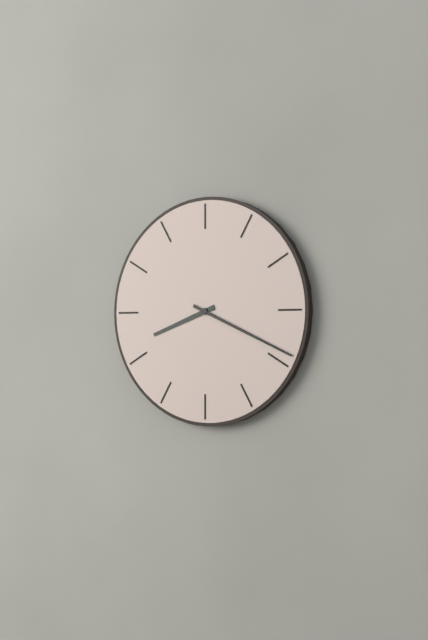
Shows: 8:19
